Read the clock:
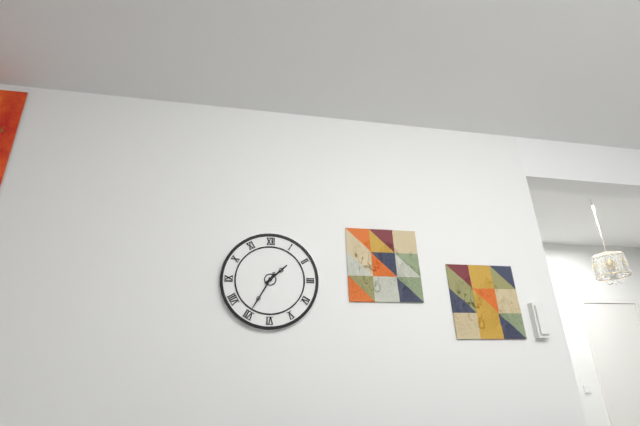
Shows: 1:35
